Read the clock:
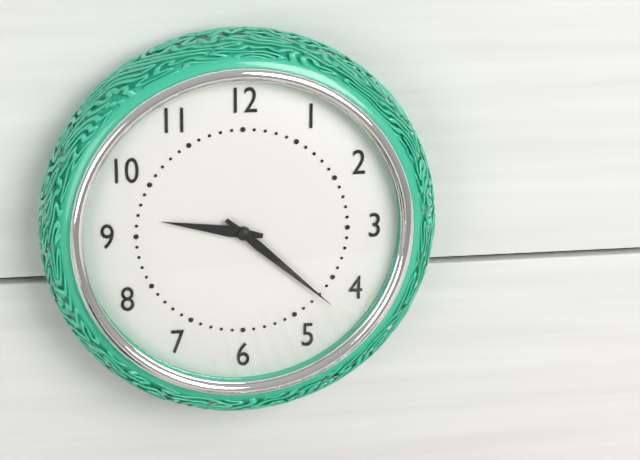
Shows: 9:22
